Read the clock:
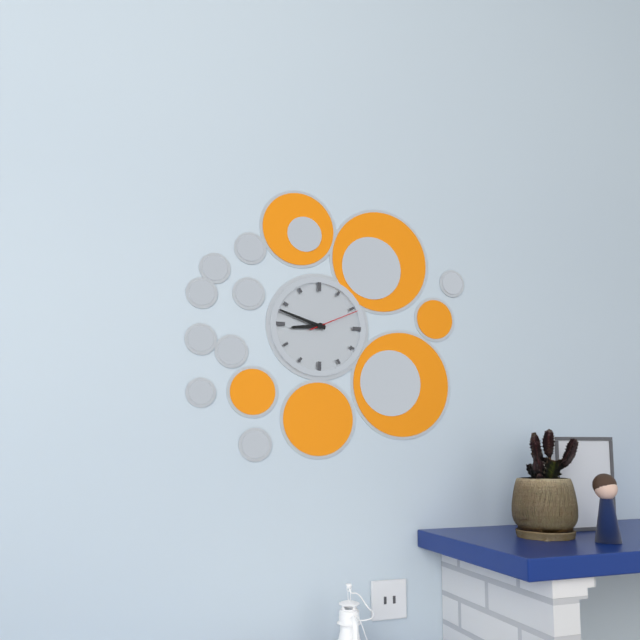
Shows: 8:48:11
